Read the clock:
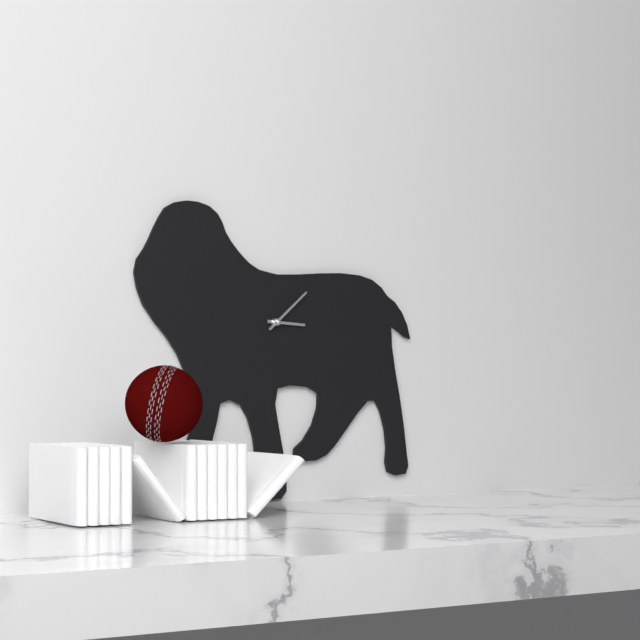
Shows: 3:08
